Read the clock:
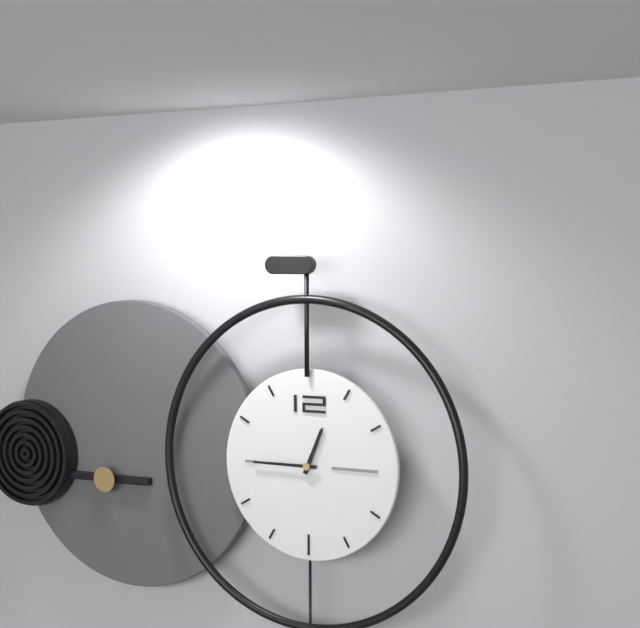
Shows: 12:45
